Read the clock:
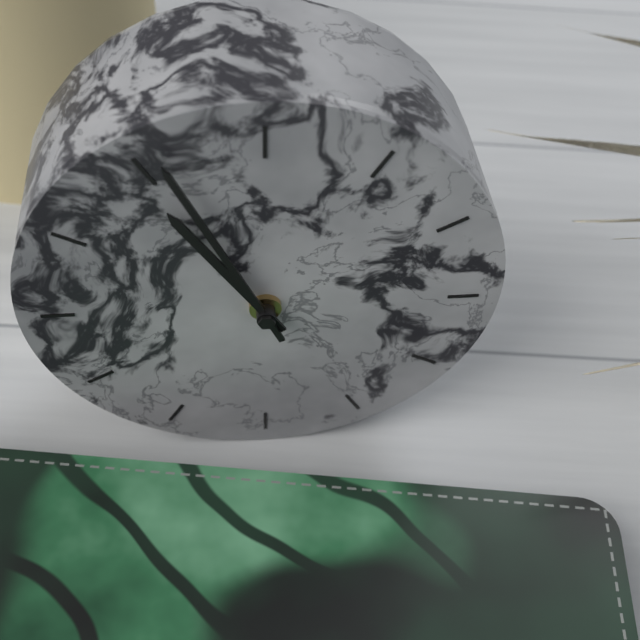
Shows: 10:56
